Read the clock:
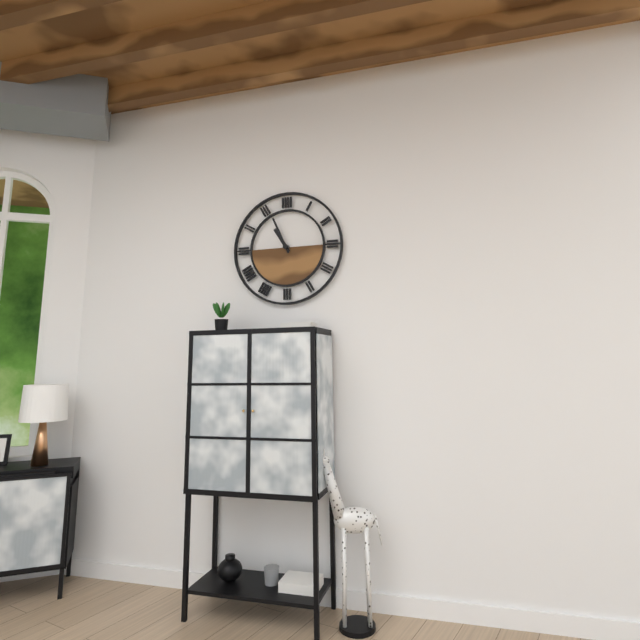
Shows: 10:56
